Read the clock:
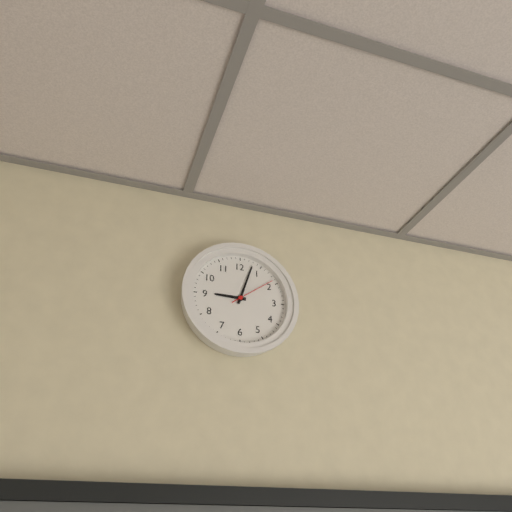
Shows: 9:03
